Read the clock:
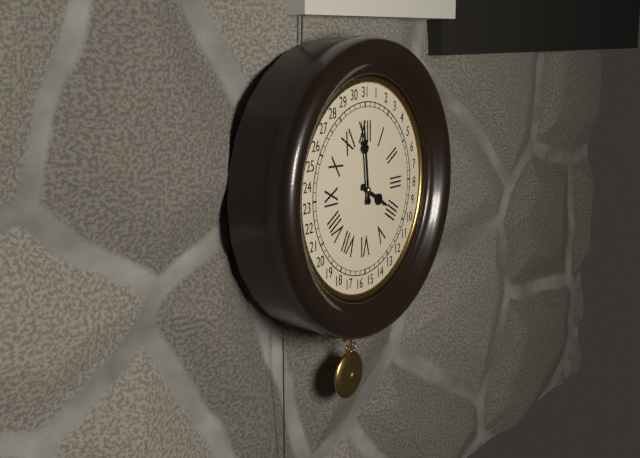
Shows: 3:59
